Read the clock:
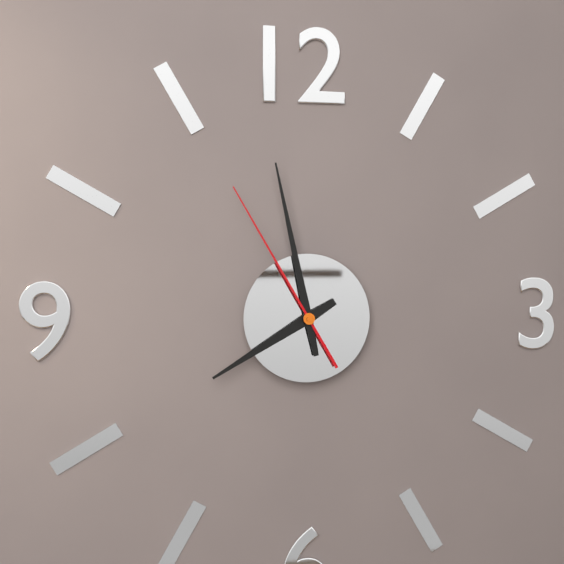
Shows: 7:58:55
